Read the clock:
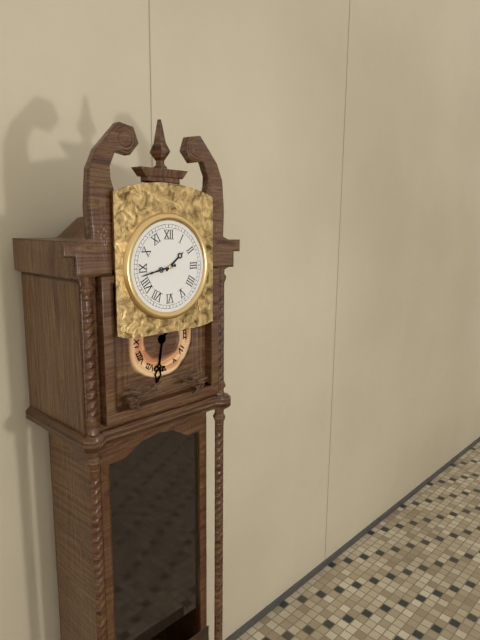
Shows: 1:43
